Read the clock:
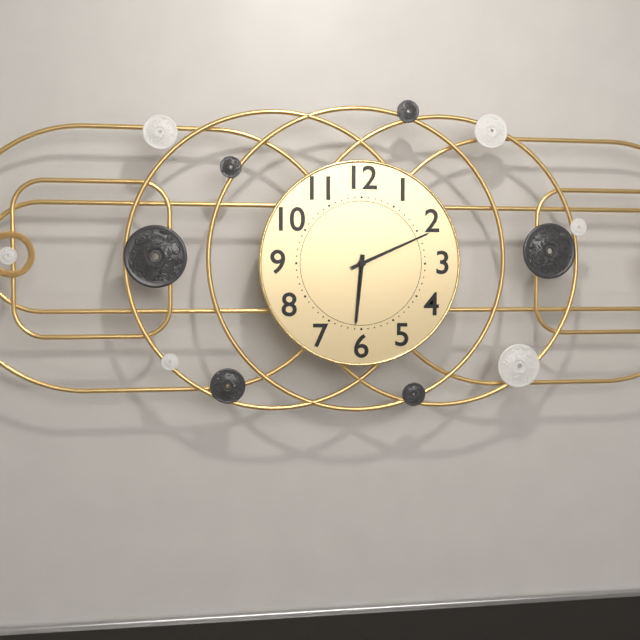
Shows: 6:11
